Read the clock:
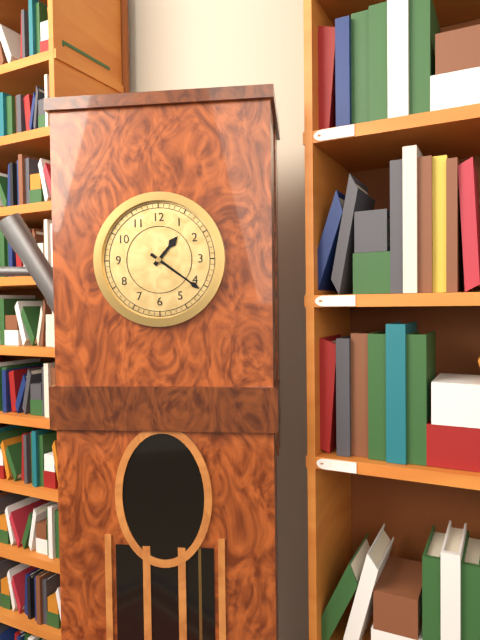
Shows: 1:21
